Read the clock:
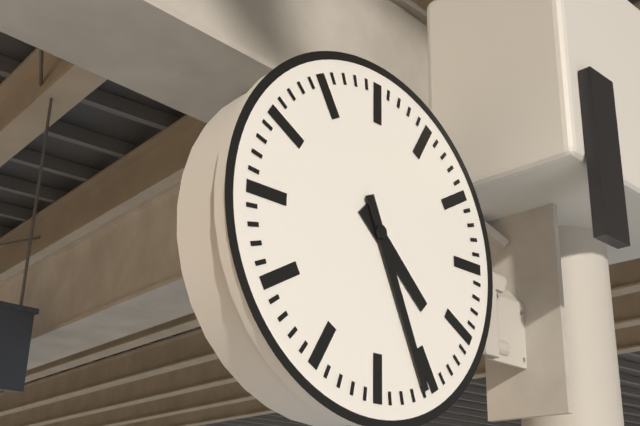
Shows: 4:26
